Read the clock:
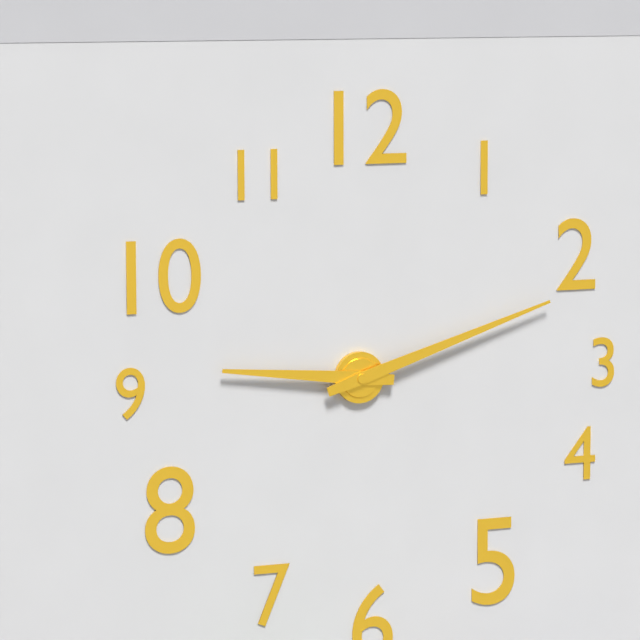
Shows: 9:12
